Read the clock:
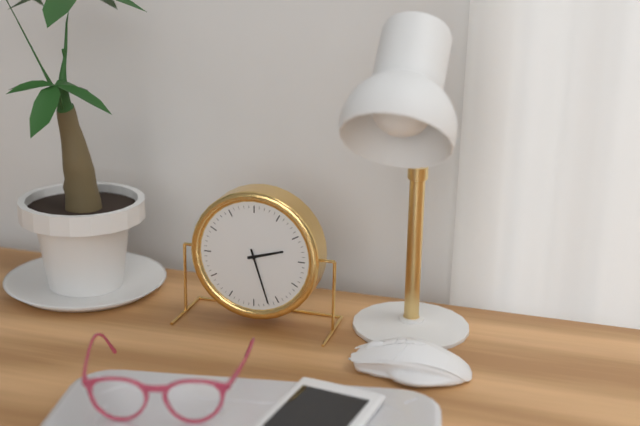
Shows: 2:27
